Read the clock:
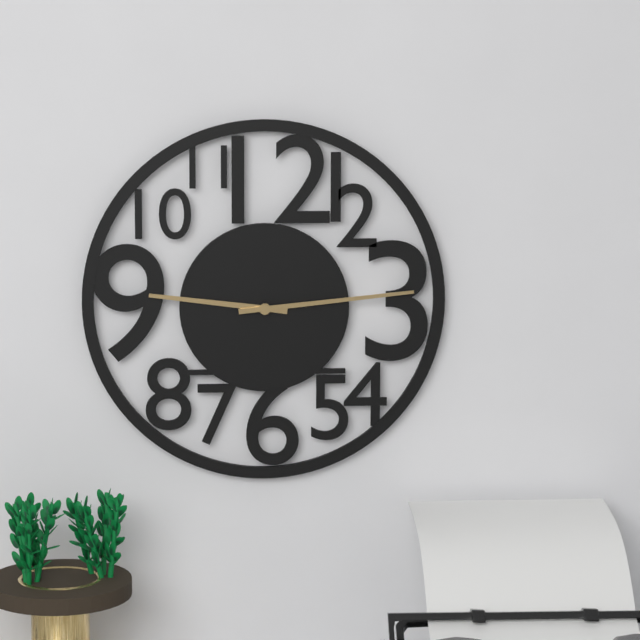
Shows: 9:14
